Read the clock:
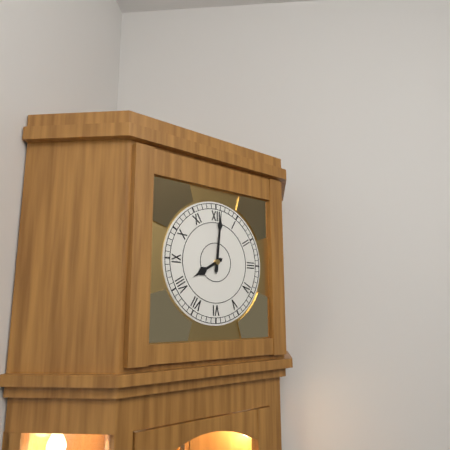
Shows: 8:01
